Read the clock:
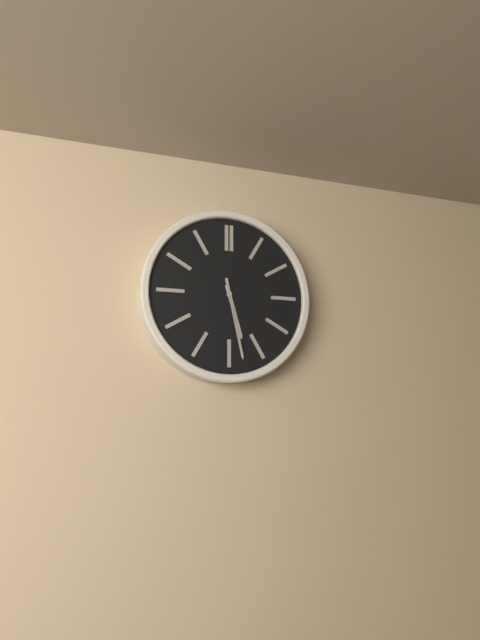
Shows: 5:28
